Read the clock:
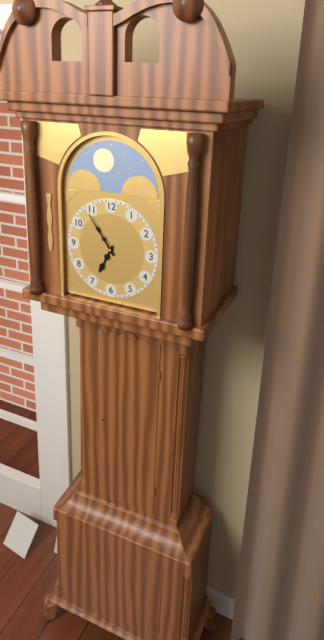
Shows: 6:54
